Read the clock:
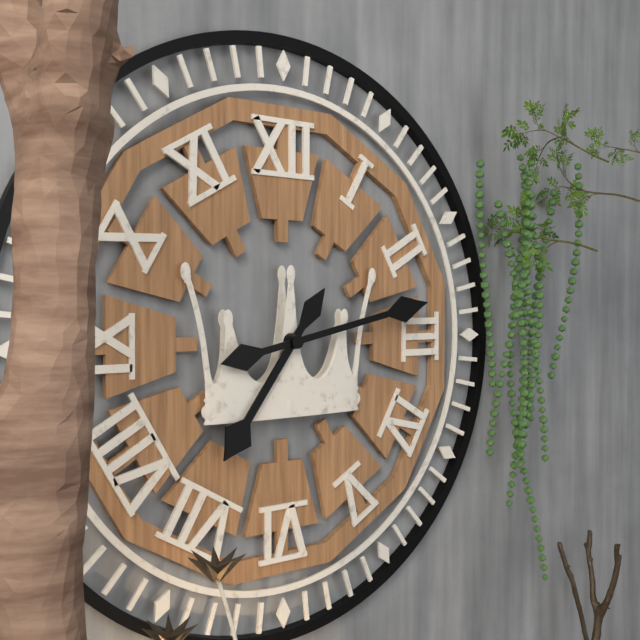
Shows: 7:13
